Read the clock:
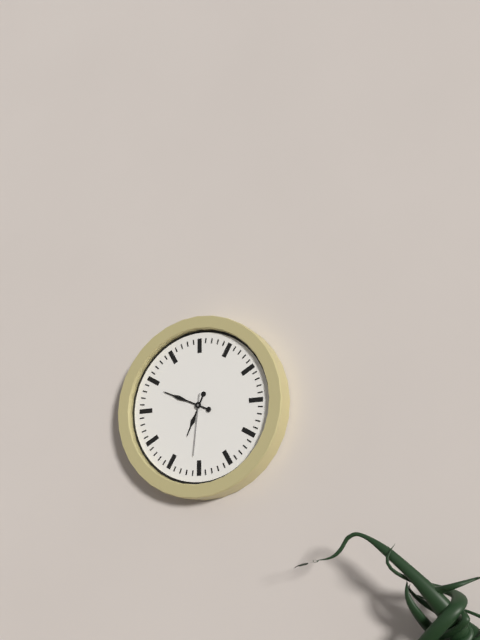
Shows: 6:49:31
